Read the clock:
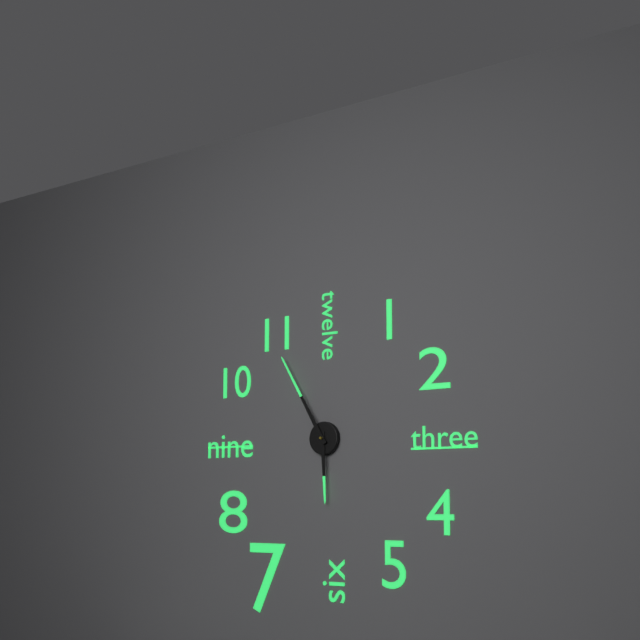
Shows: 5:55
